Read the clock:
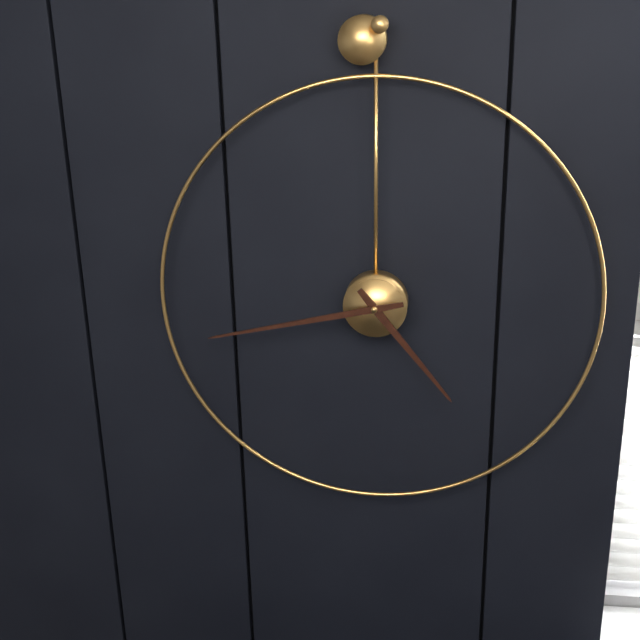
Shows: 4:43
